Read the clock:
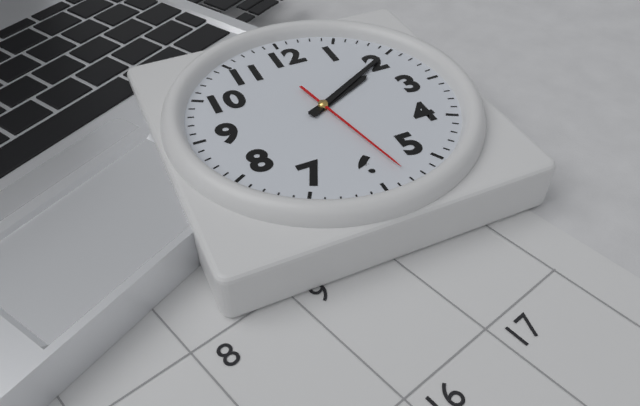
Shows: 2:10:28
